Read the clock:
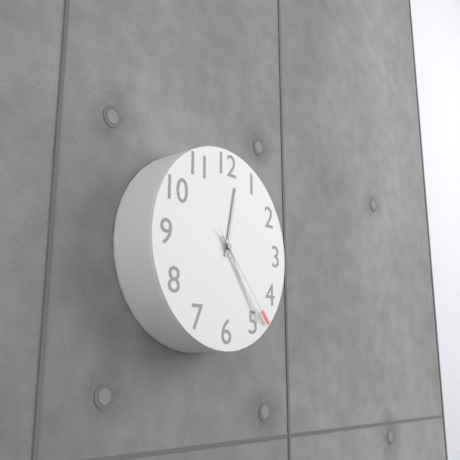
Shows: 12:24:23
